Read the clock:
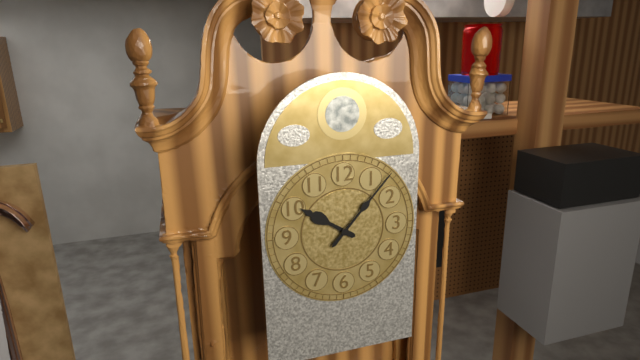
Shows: 10:07
